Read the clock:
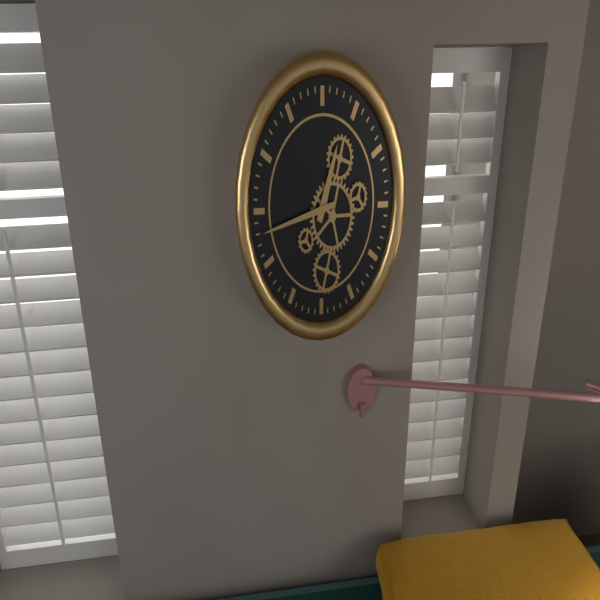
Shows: 12:43
